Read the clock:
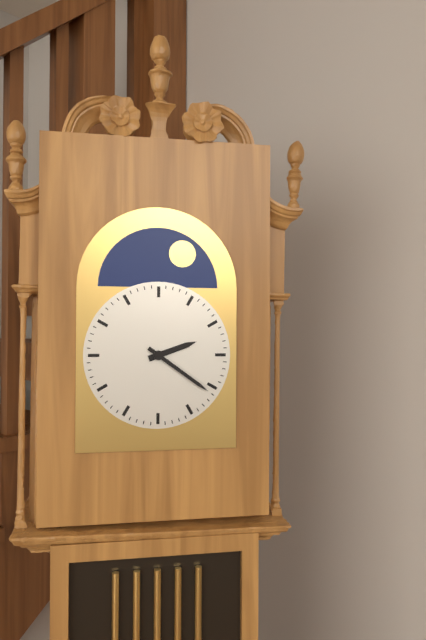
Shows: 2:21
